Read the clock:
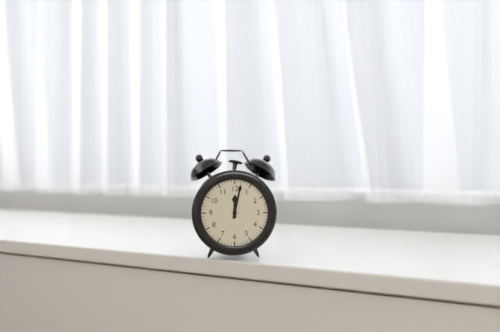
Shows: 12:02
